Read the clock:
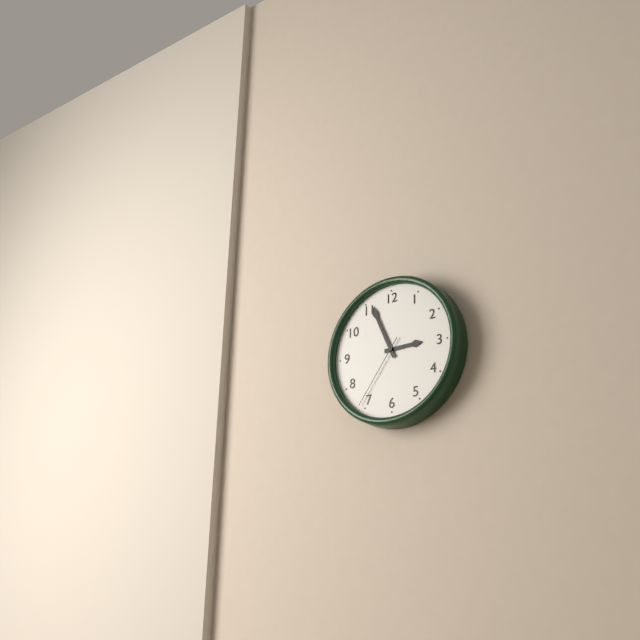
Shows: 2:56:36
